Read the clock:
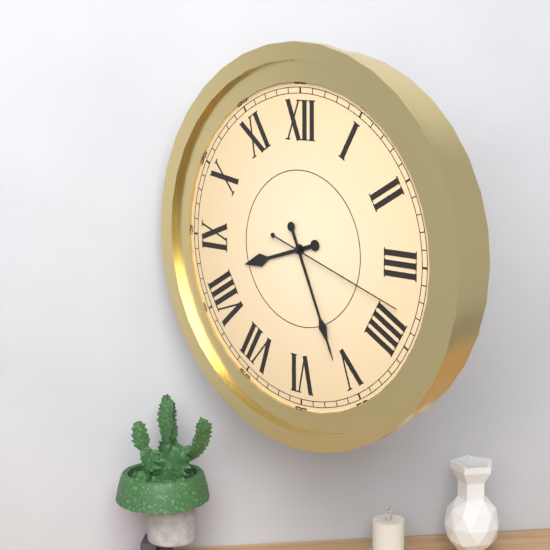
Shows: 8:26:18
